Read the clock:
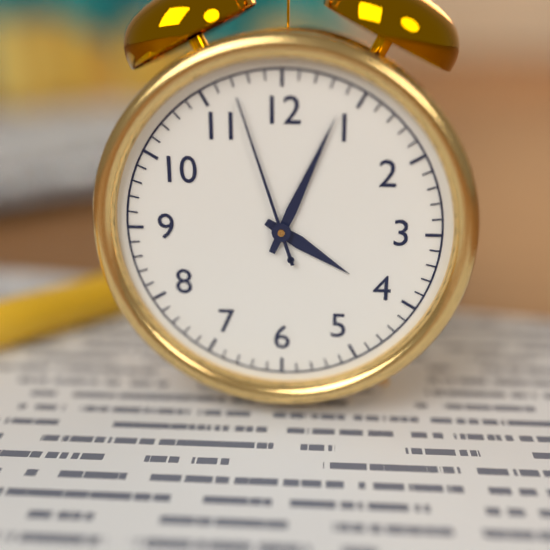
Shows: 4:04:57
